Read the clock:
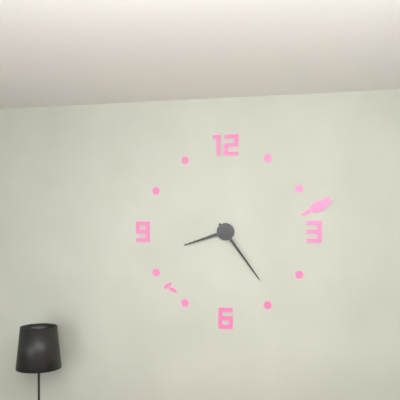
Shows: 8:24
